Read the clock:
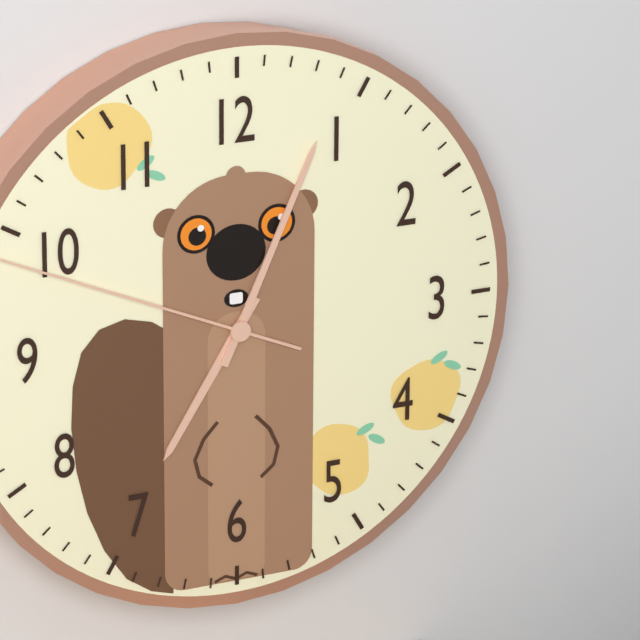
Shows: 7:04
